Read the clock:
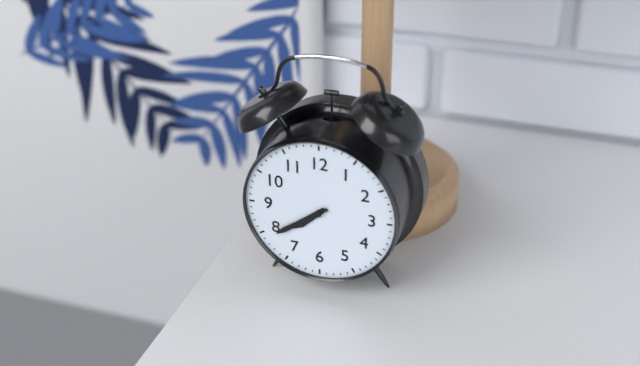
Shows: 7:39
